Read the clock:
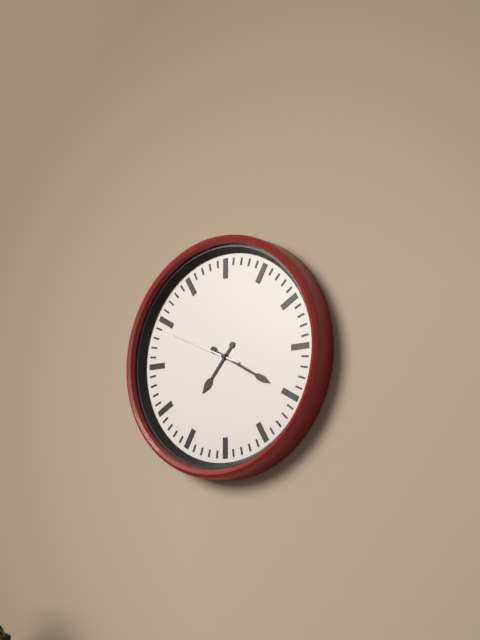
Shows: 7:20:49
